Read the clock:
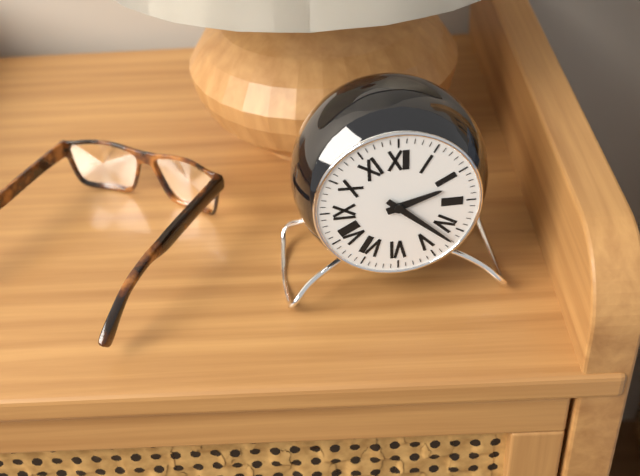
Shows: 2:22
